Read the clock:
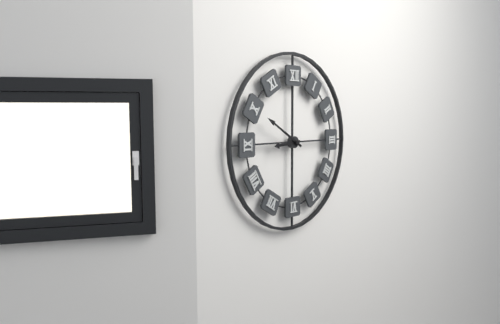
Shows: 8:50
